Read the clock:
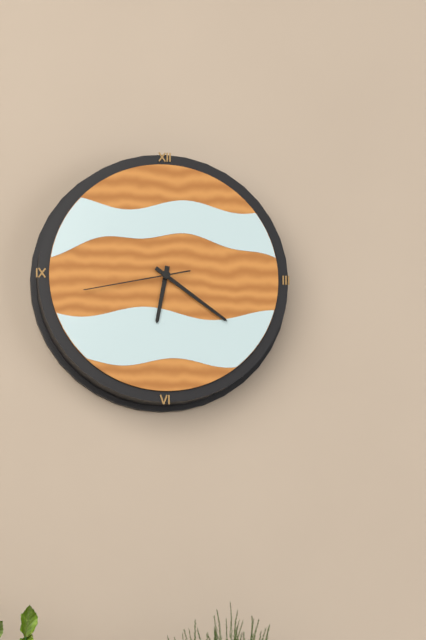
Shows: 6:21:43
